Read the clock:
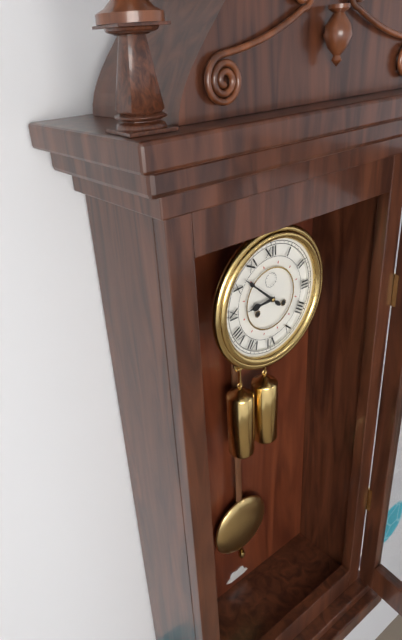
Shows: 8:52
